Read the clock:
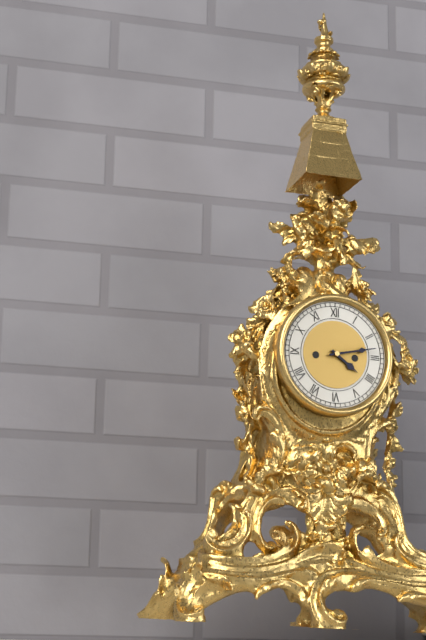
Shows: 4:13
